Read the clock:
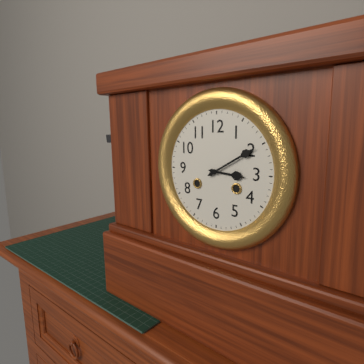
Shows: 3:10
